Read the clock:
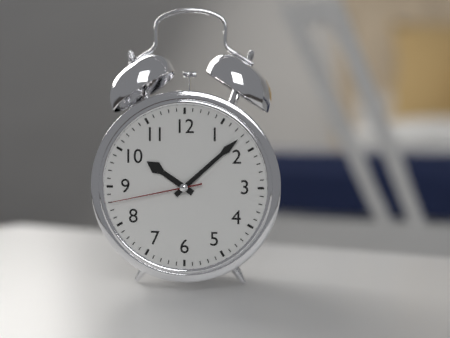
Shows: 10:08:43
